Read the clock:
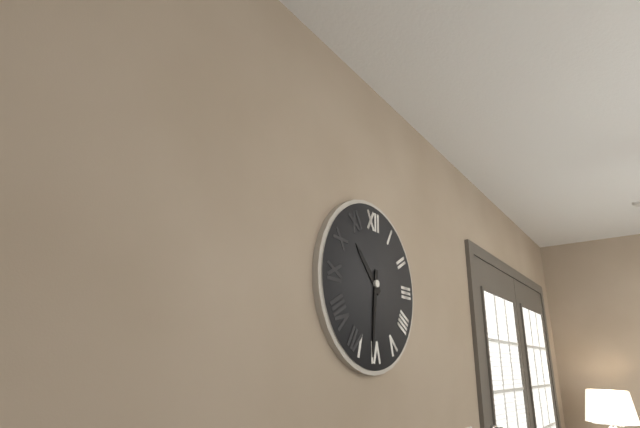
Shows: 10:31
